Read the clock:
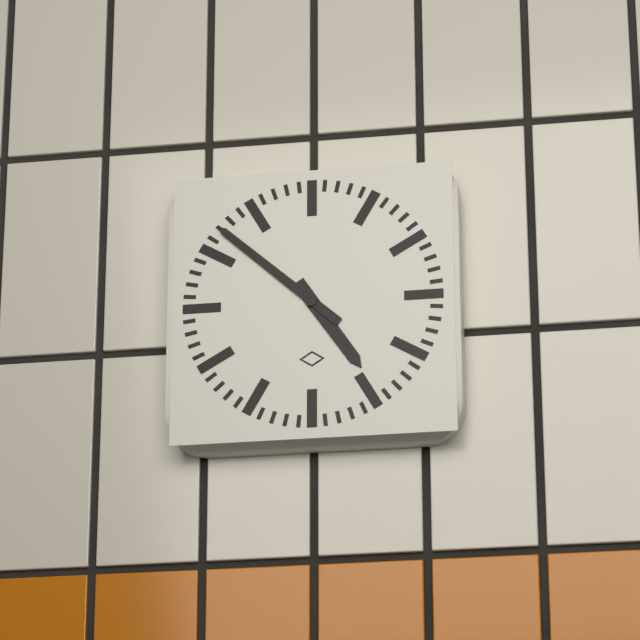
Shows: 4:52
